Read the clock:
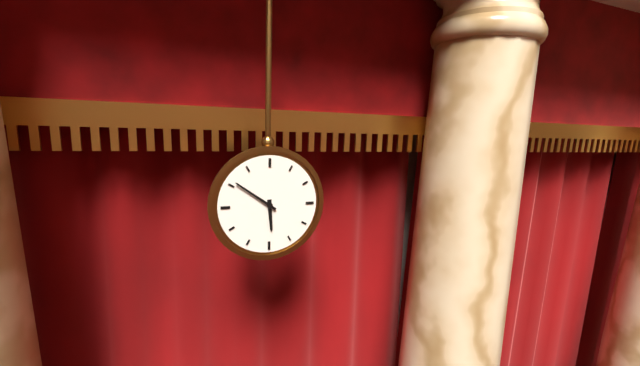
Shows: 5:51
